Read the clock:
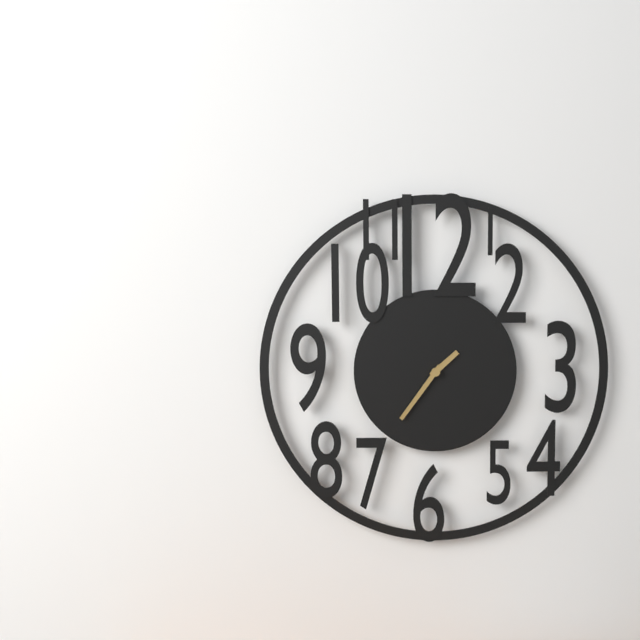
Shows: 1:36
